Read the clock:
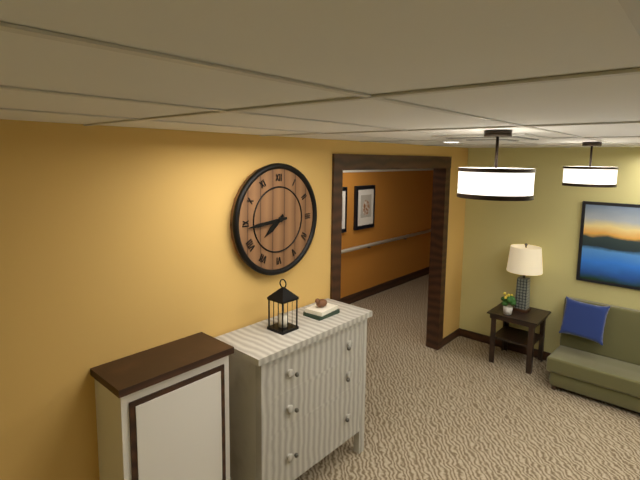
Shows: 7:44
